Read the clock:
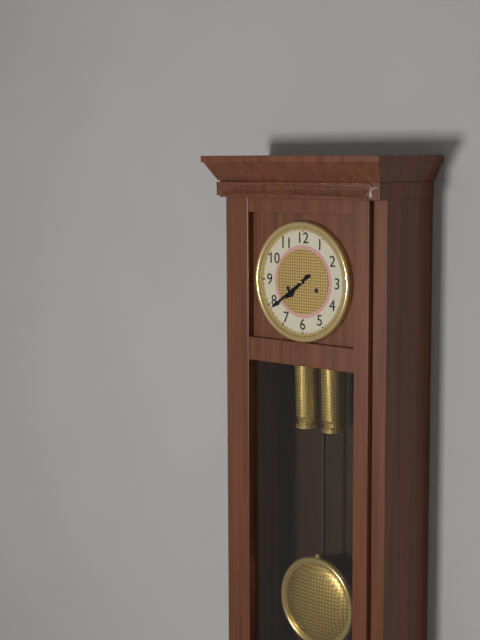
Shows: 7:39
